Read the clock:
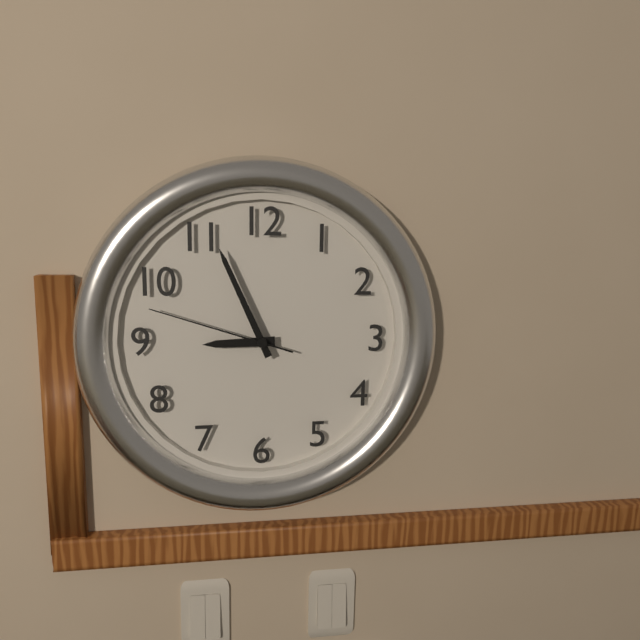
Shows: 8:56:48
